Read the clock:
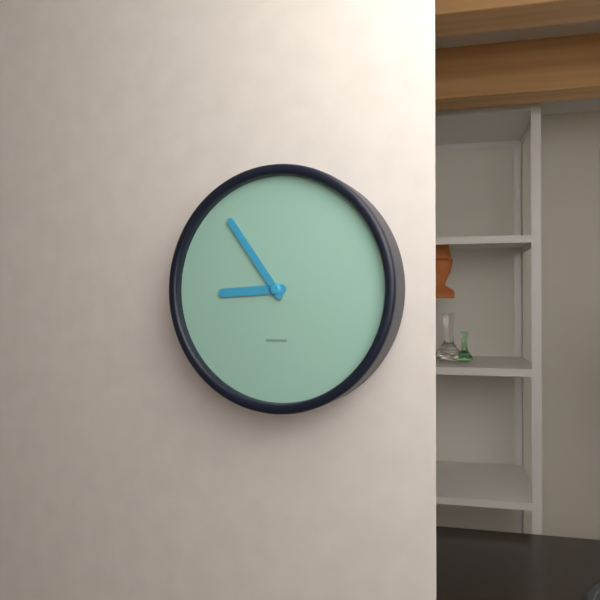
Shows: 8:54
